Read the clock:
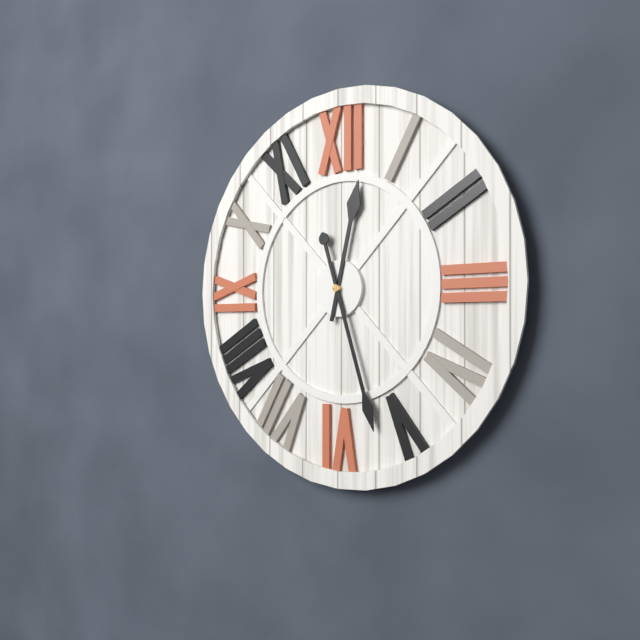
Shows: 12:27
